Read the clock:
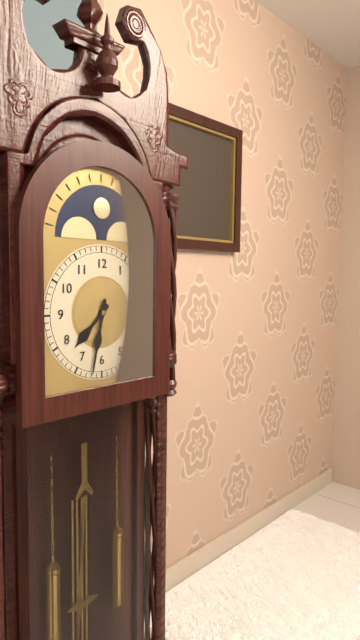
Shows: 7:32
